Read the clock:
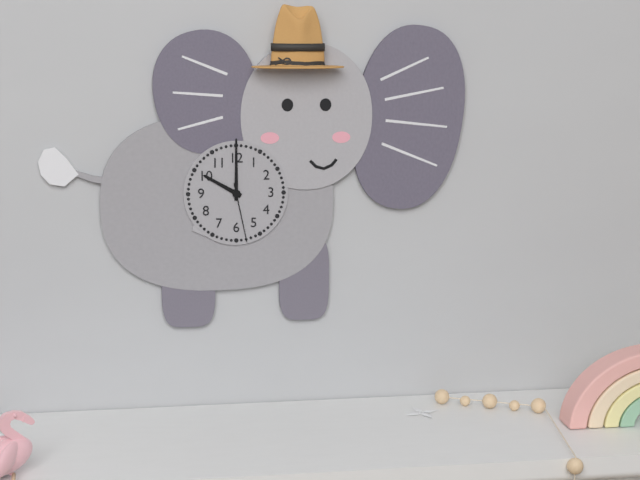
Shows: 10:00:28
